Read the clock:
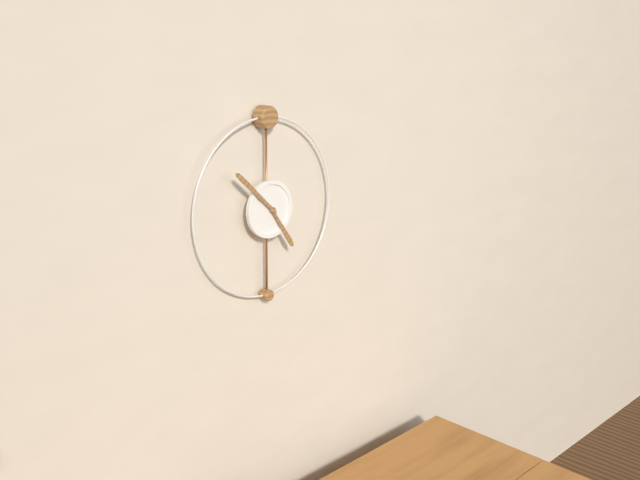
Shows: 4:52
